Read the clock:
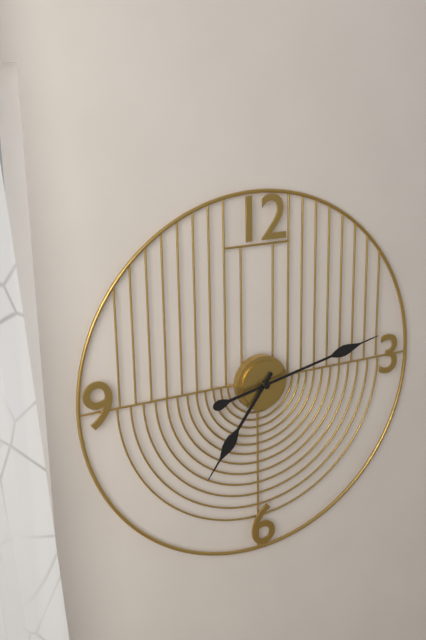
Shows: 7:13
